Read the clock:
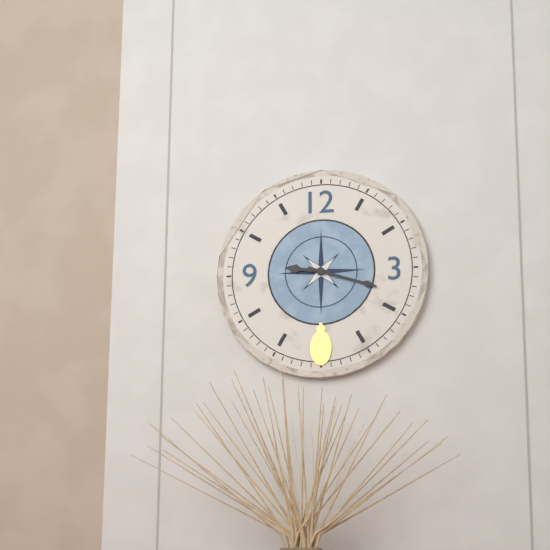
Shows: 9:18
